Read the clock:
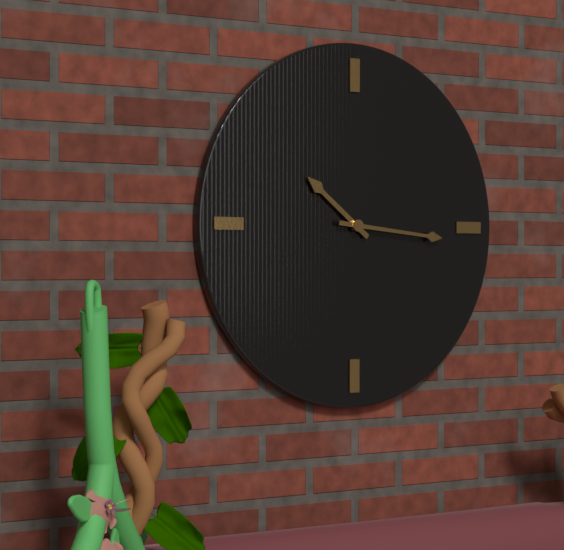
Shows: 10:16
